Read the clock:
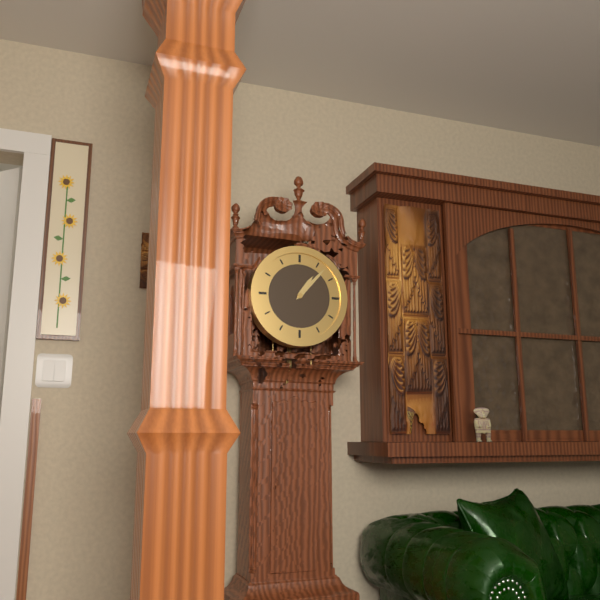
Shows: 1:07
